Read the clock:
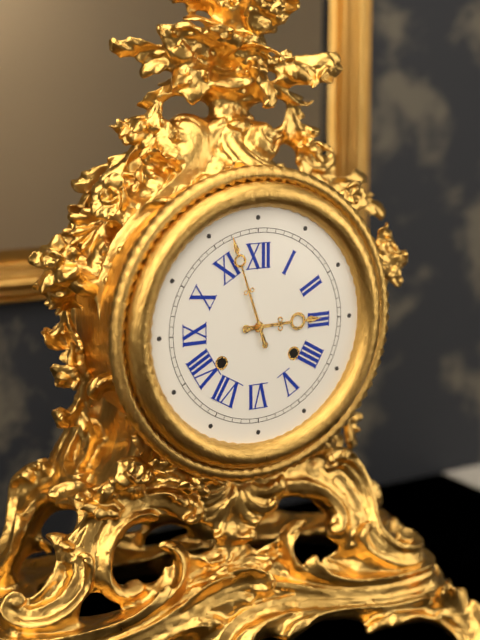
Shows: 2:57
